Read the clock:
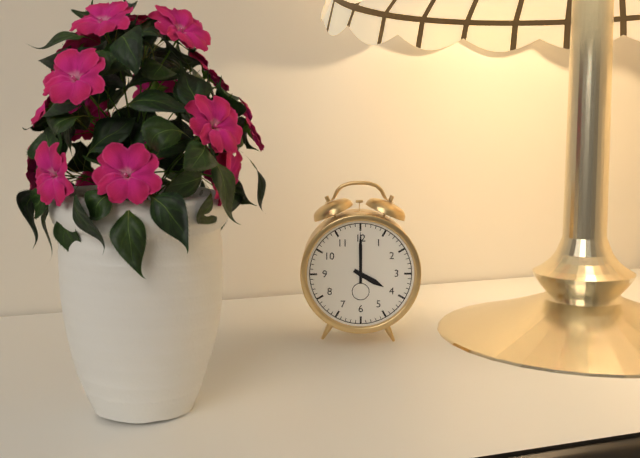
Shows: 4:00
